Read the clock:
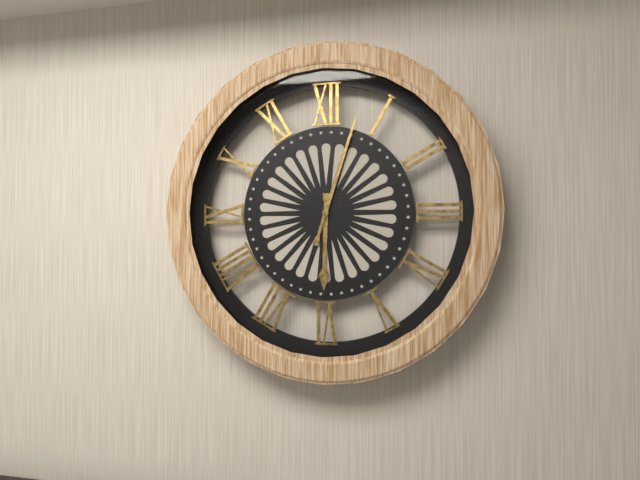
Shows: 6:03
